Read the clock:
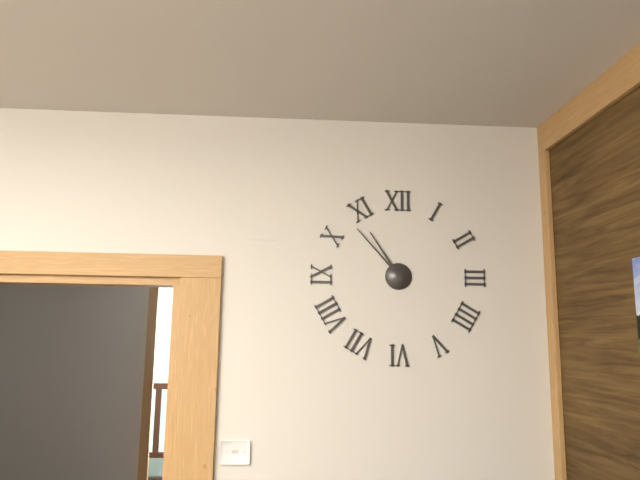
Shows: 10:53
